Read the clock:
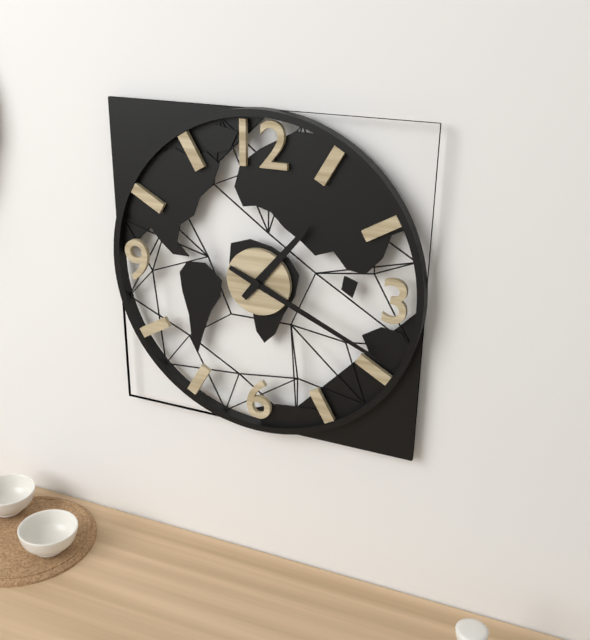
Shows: 1:19
